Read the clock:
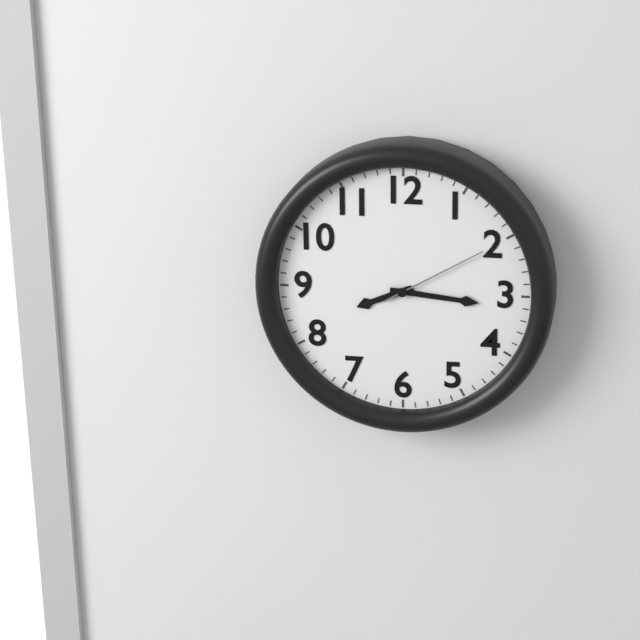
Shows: 8:16:10
